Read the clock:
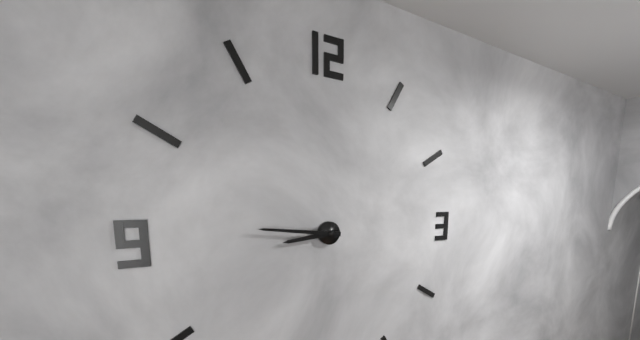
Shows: 8:46
